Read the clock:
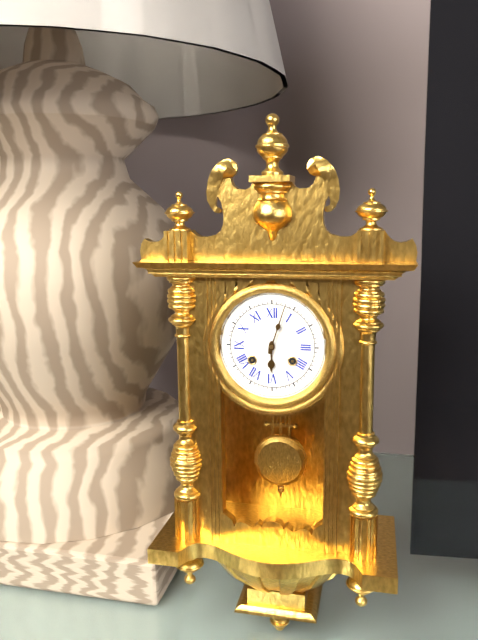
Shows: 6:03
